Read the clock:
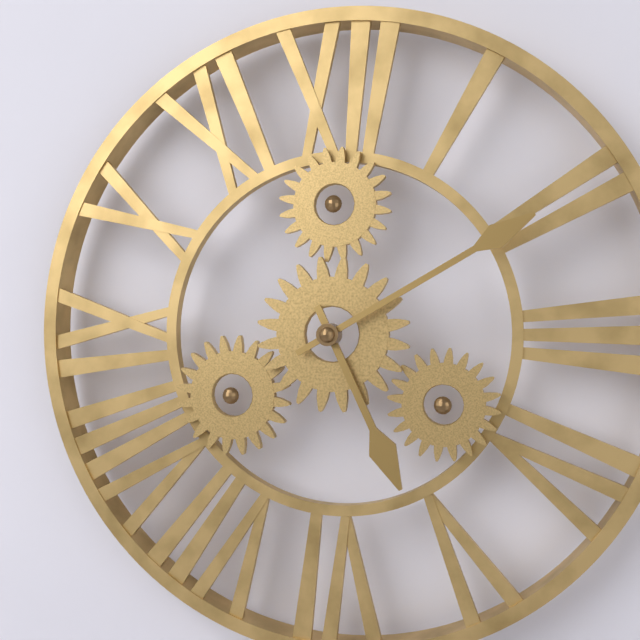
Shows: 5:10
